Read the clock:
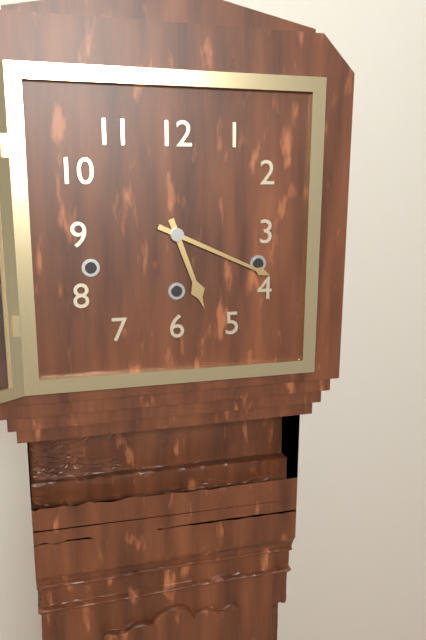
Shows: 5:19
